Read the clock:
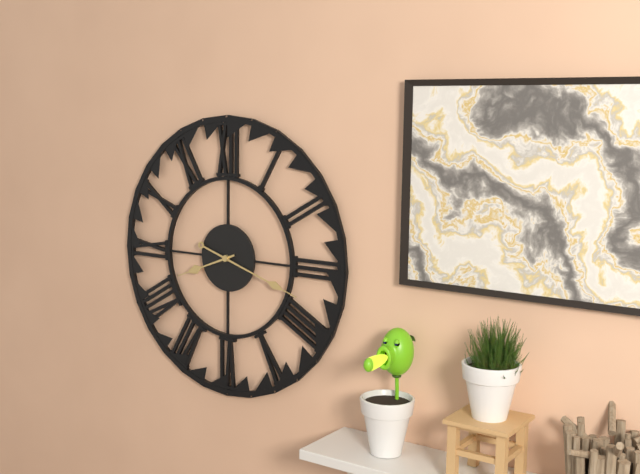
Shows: 8:18
